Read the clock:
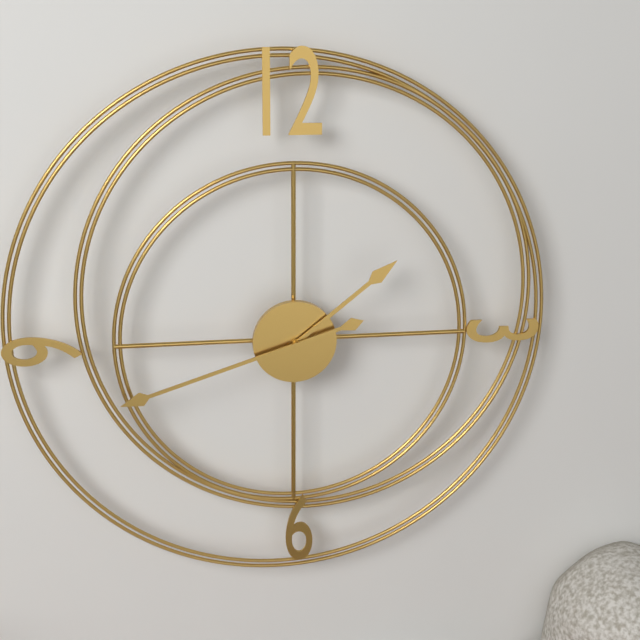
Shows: 1:42
